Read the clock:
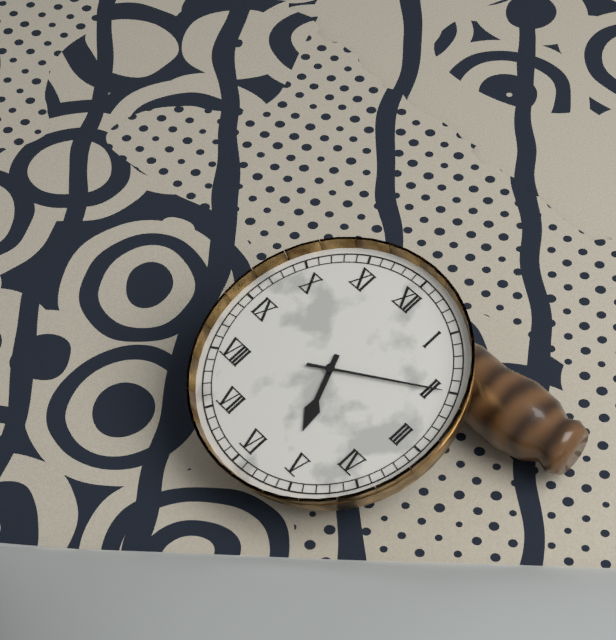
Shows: 5:10
